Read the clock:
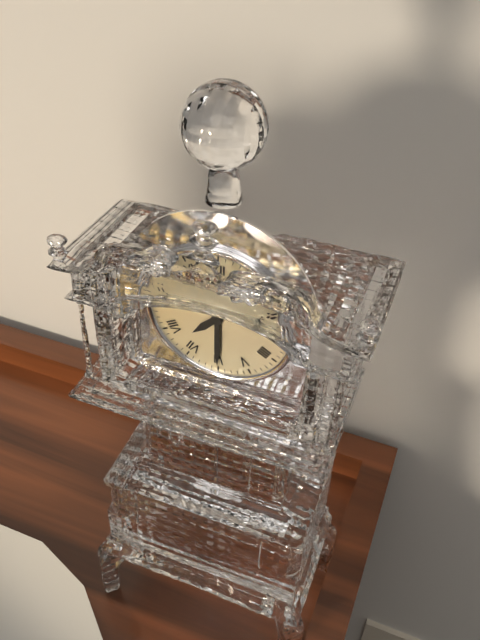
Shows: 7:30
